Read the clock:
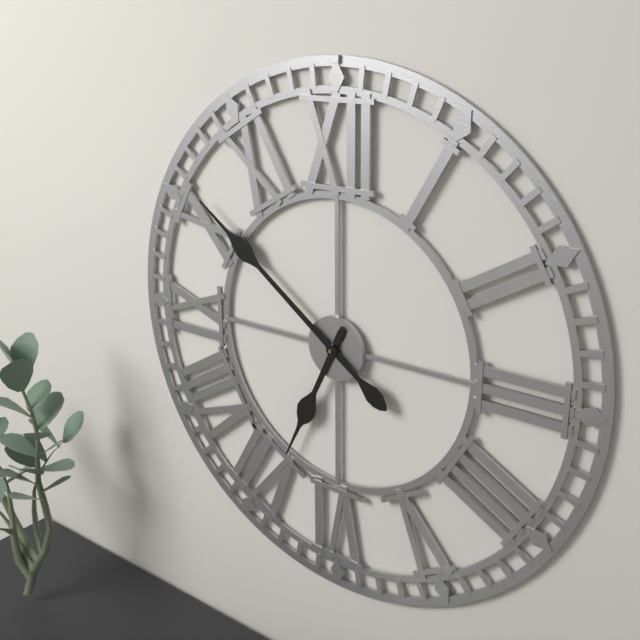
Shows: 6:51
